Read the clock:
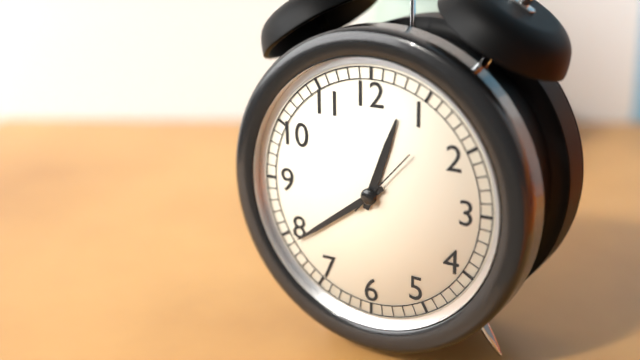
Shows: 12:39:07
